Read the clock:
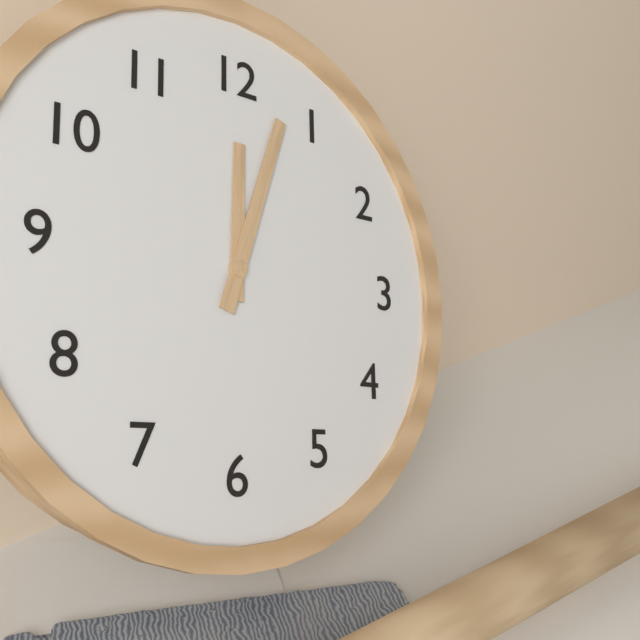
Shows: 12:03
